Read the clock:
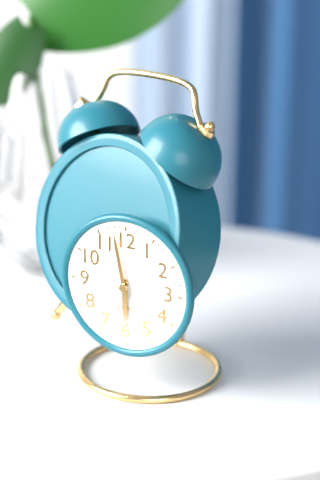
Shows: 5:58
